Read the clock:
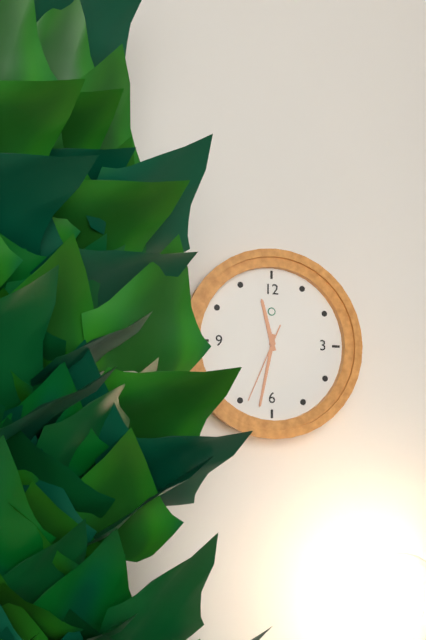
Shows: 11:32:34
